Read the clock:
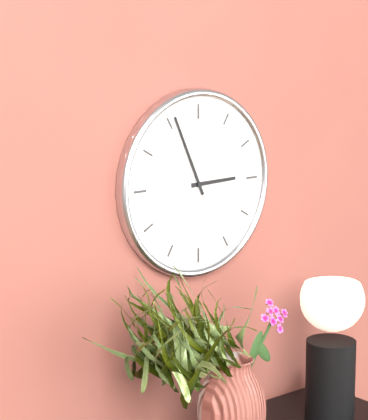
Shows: 2:56
